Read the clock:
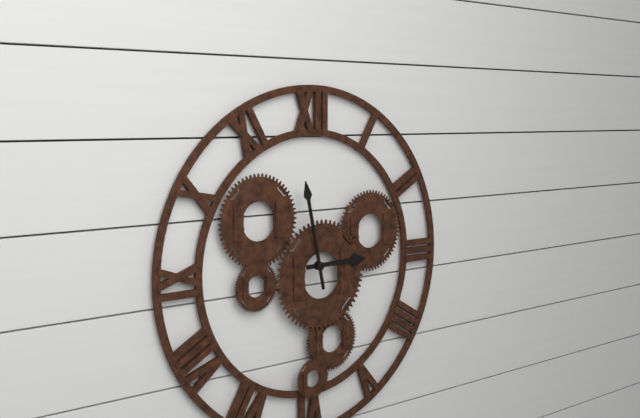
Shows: 2:58
